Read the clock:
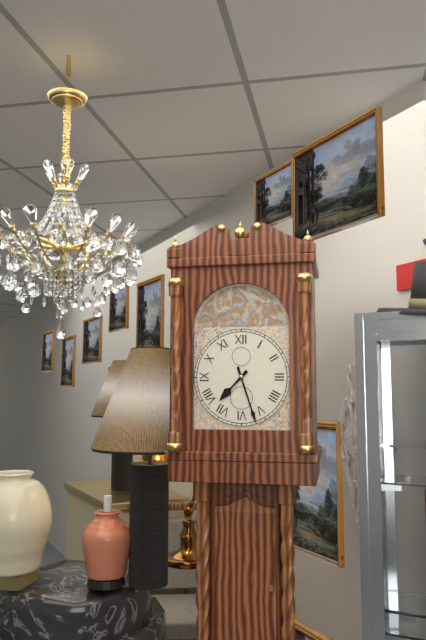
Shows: 7:27
